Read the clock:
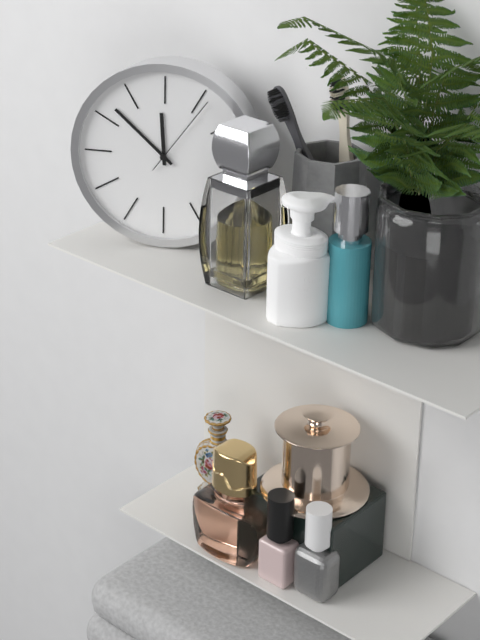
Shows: 11:52:06
